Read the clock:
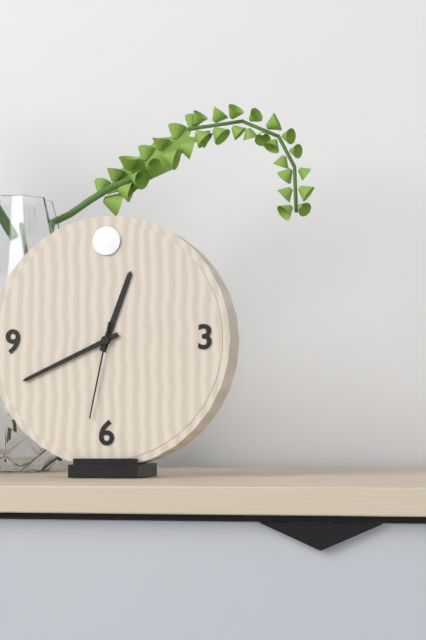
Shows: 12:41:32
